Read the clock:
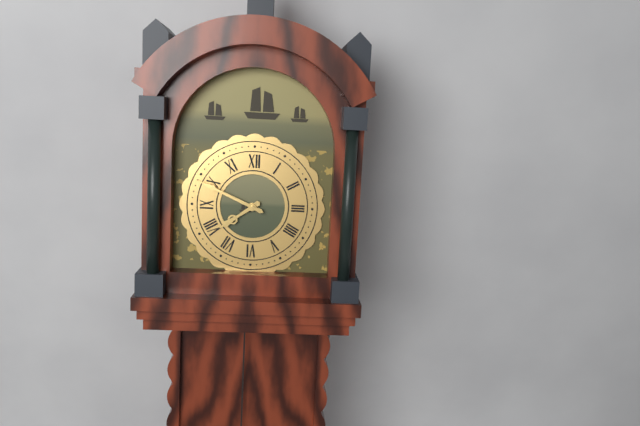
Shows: 7:49
